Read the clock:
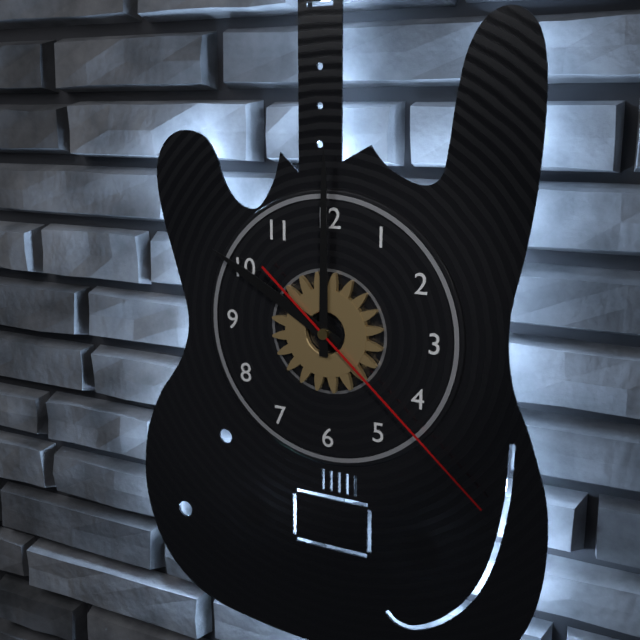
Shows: 10:00:22
